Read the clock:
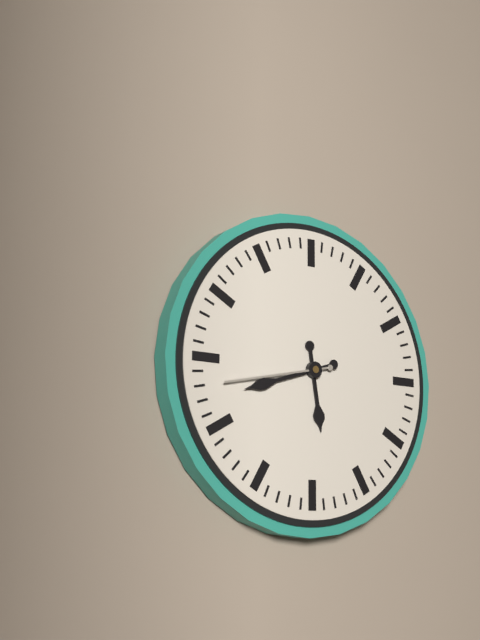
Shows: 5:42:43
